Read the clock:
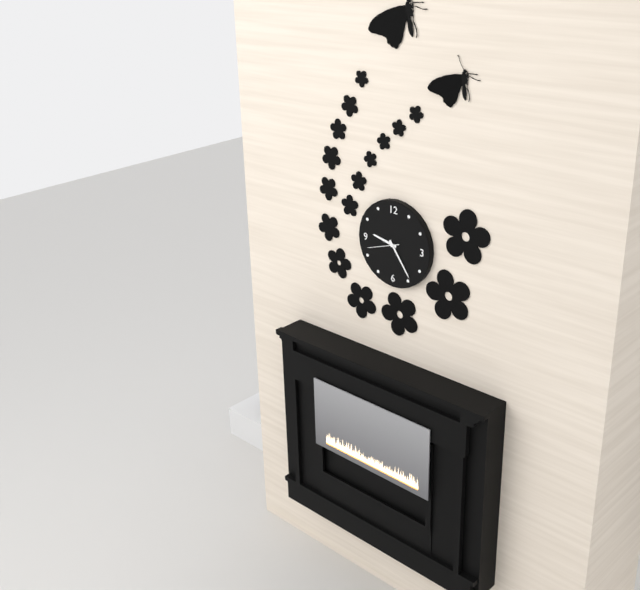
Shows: 9:24
